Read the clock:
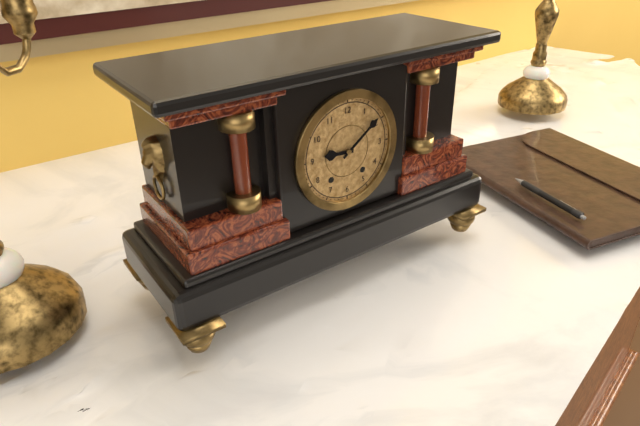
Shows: 9:09
